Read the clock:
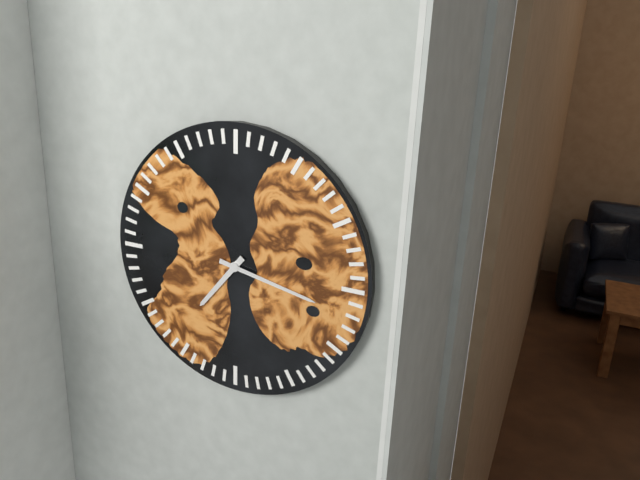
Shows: 7:17
